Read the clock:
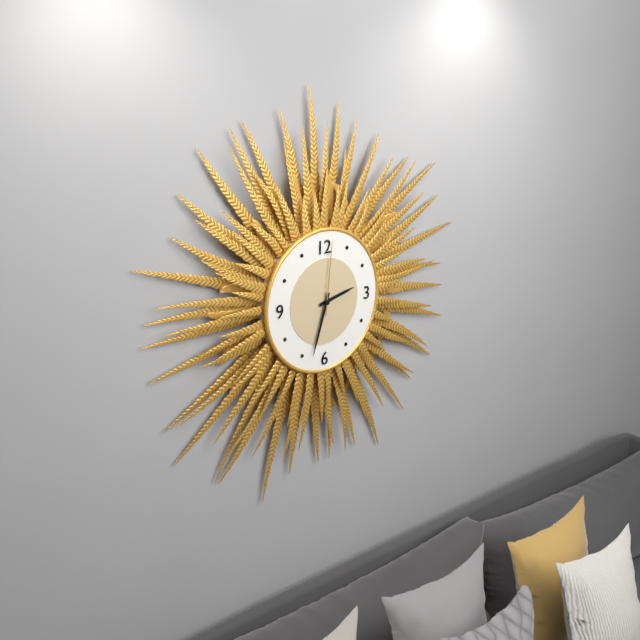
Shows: 2:33:01
